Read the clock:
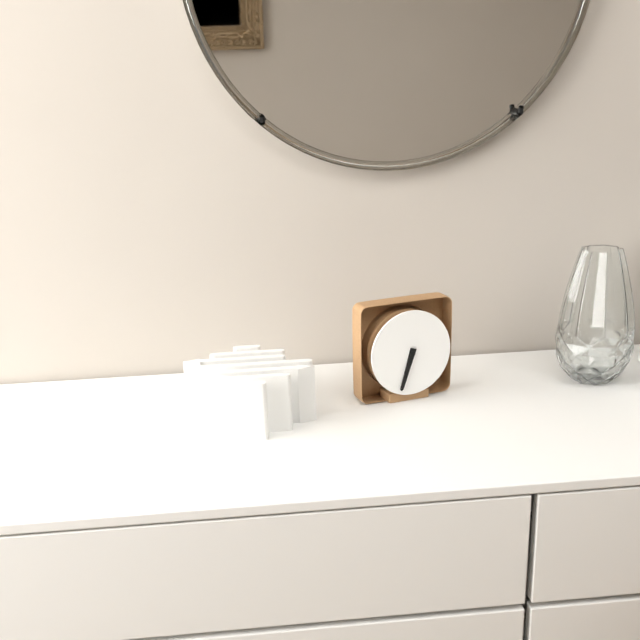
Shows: 6:33
